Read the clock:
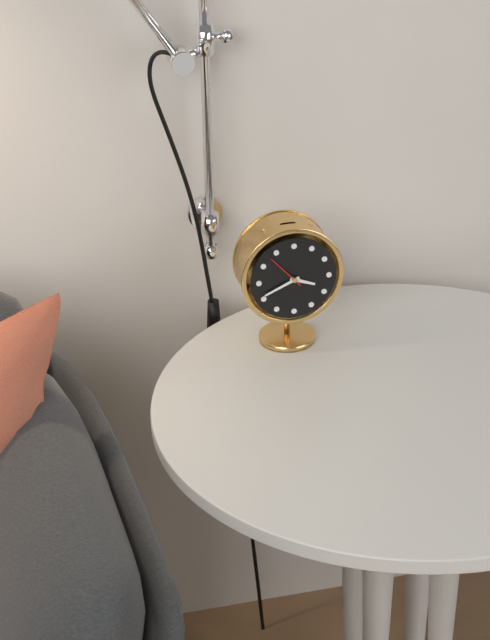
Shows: 3:41
